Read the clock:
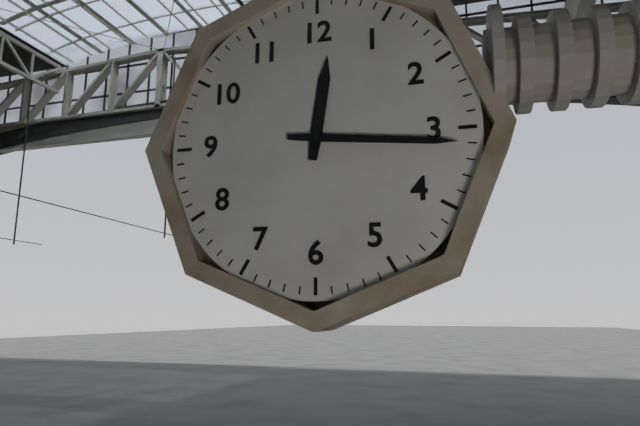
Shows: 12:16
